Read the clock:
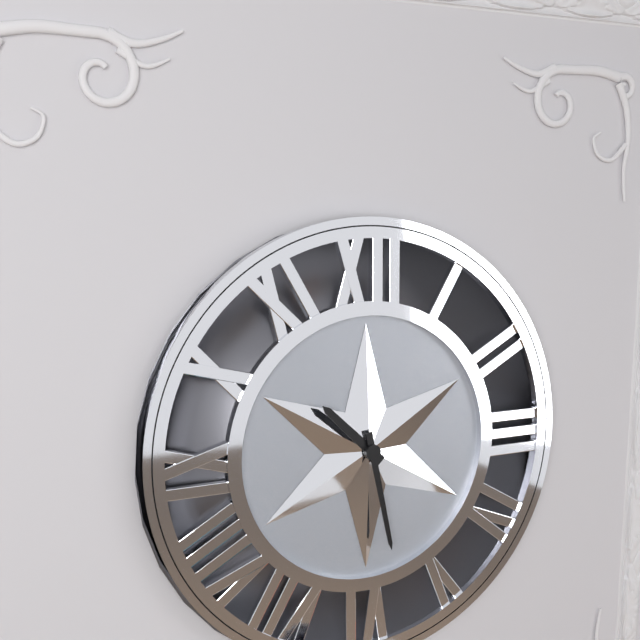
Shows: 10:28
